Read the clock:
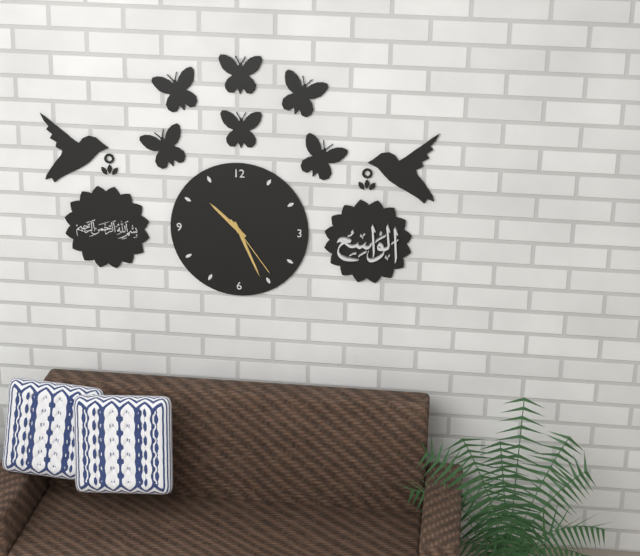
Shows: 10:26:24
